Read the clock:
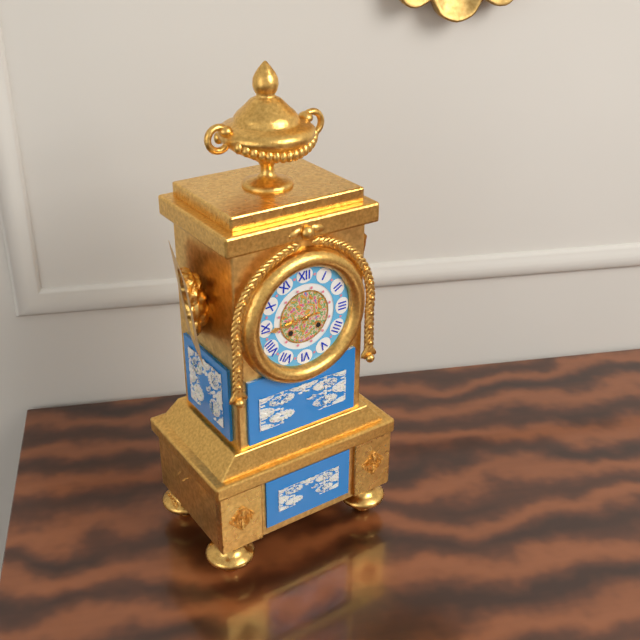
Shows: 8:44
